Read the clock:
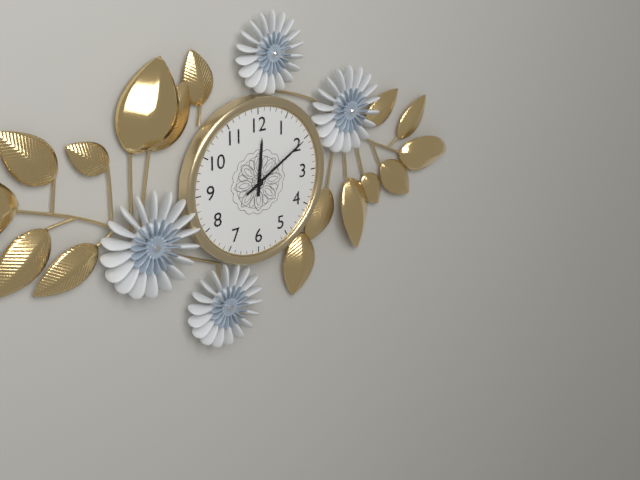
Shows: 12:10
